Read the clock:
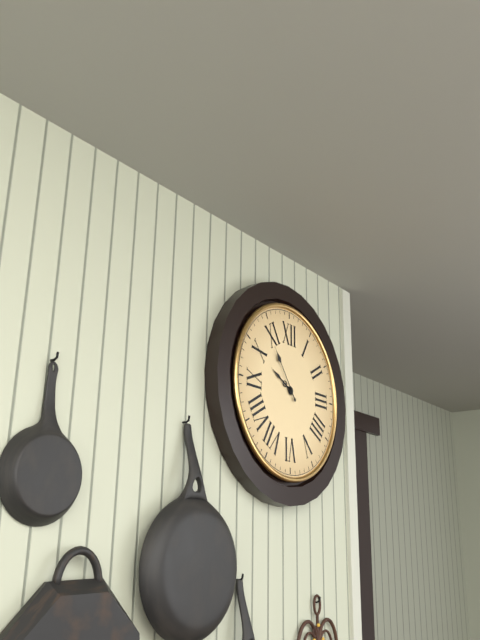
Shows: 9:54
